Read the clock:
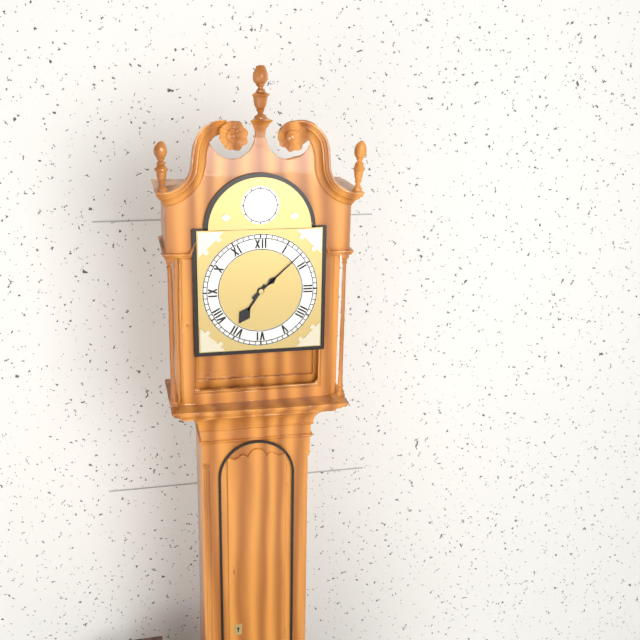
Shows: 7:08
